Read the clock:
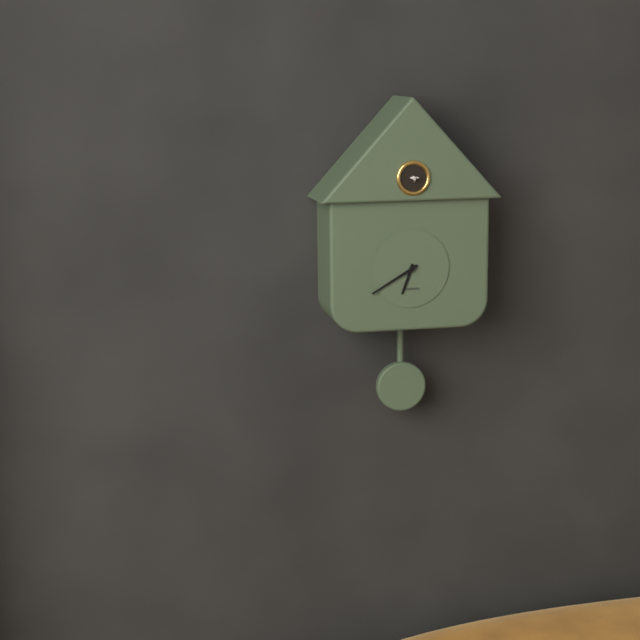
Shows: 6:40
